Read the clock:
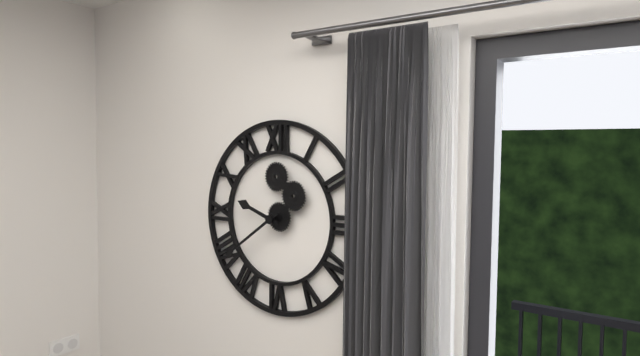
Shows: 9:39
